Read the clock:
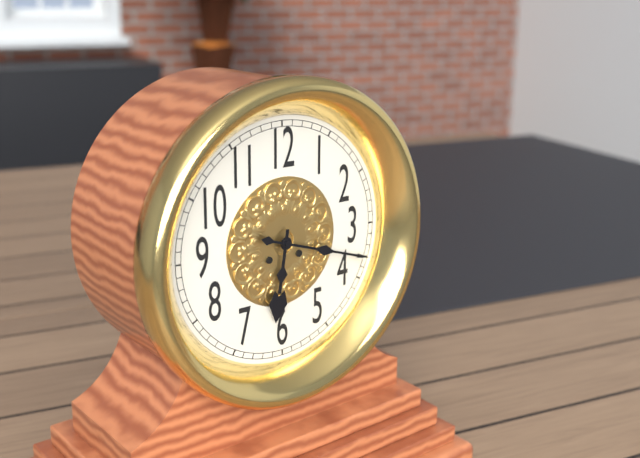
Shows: 6:18
